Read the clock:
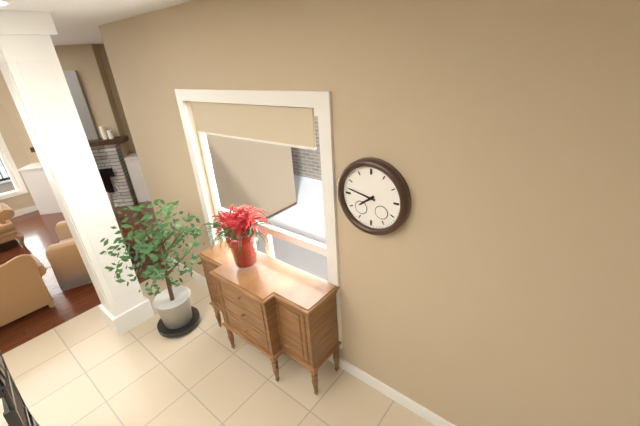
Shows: 7:47
